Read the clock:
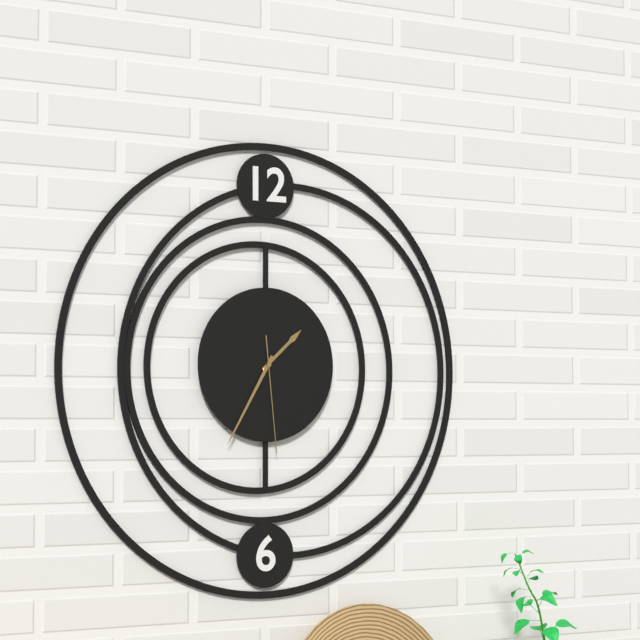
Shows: 1:35:29
